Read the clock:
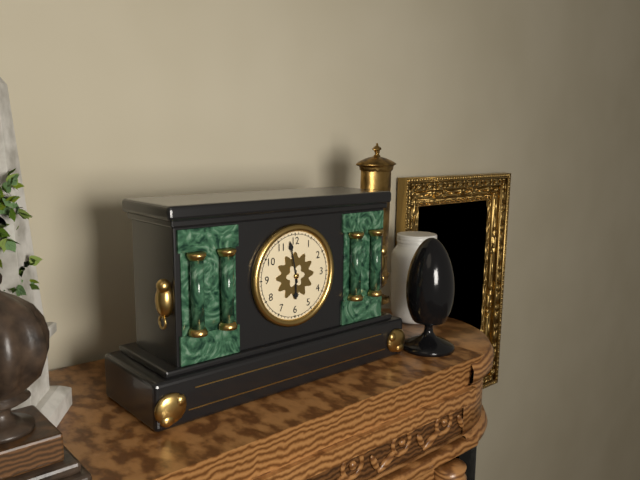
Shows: 5:58
